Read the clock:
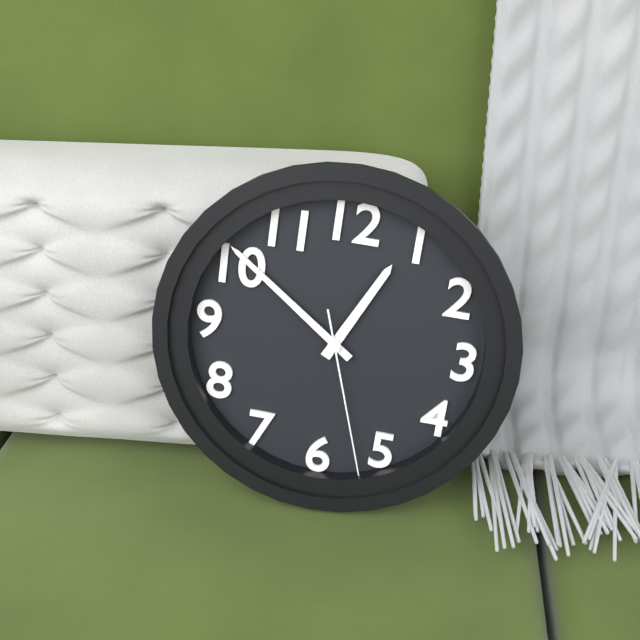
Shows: 12:51:27
